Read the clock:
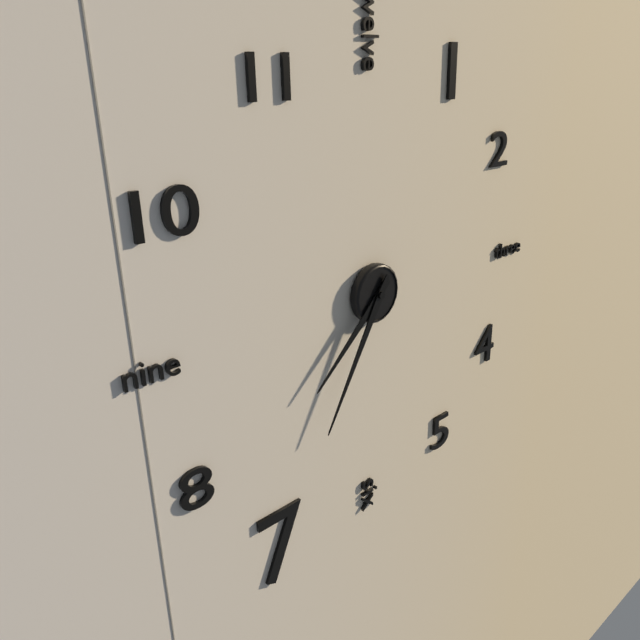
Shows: 7:35
